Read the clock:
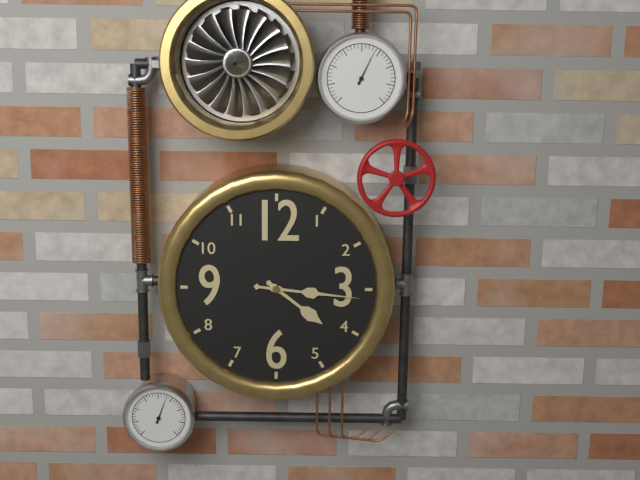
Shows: 4:16
